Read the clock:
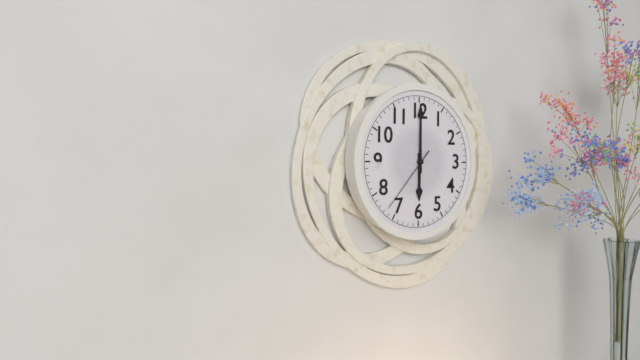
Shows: 6:00:37
